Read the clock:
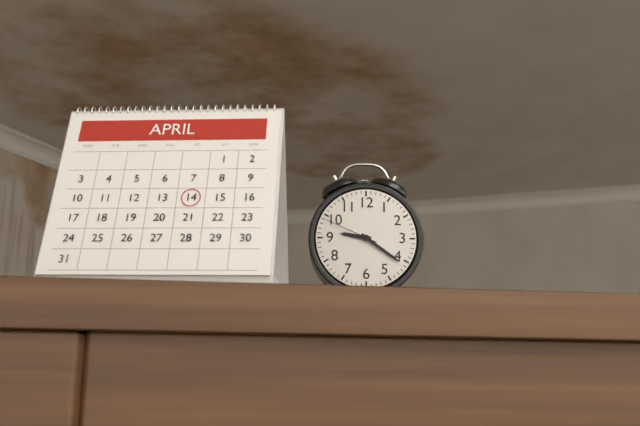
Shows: 9:21:49
